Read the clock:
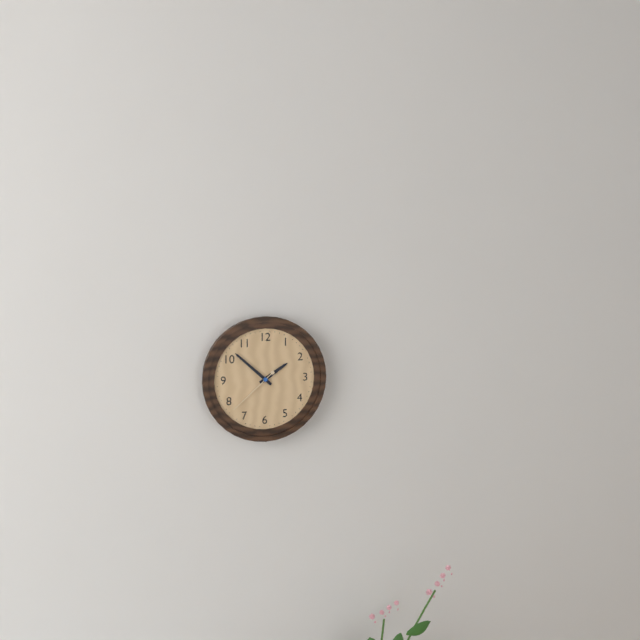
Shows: 1:52:38
